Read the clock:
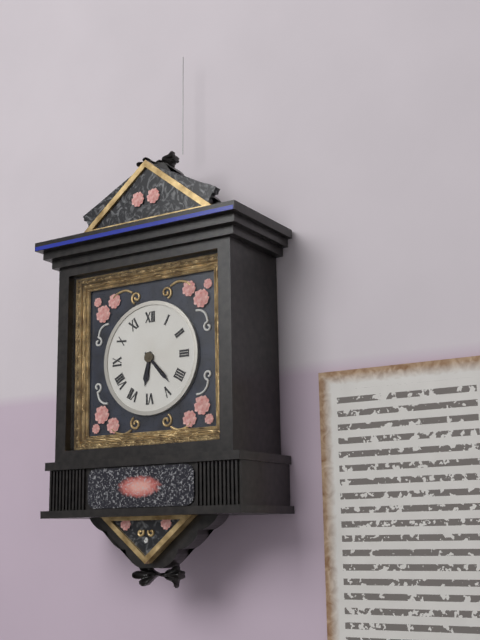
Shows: 6:23
